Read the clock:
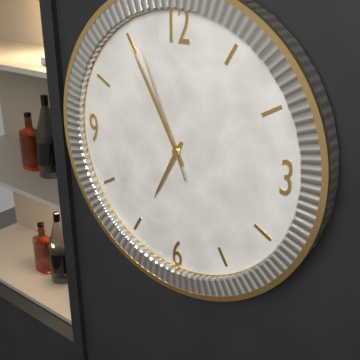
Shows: 6:55:56
